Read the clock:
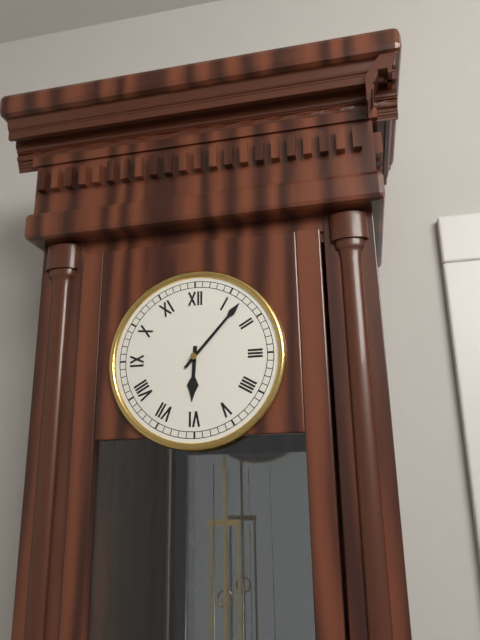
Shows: 6:07
